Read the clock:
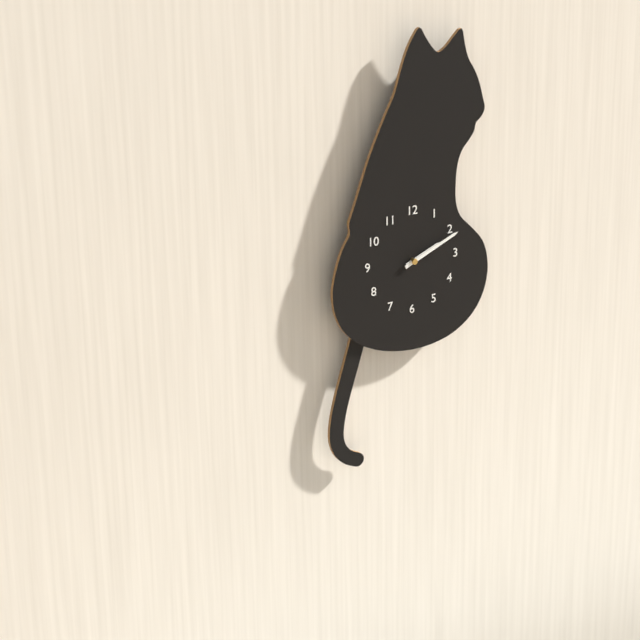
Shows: 2:11
